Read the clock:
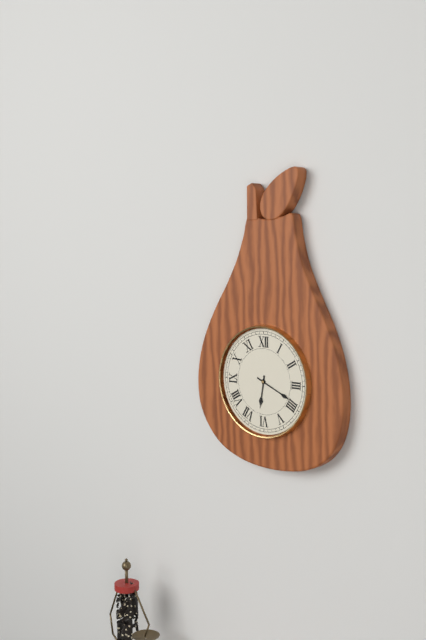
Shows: 6:19
